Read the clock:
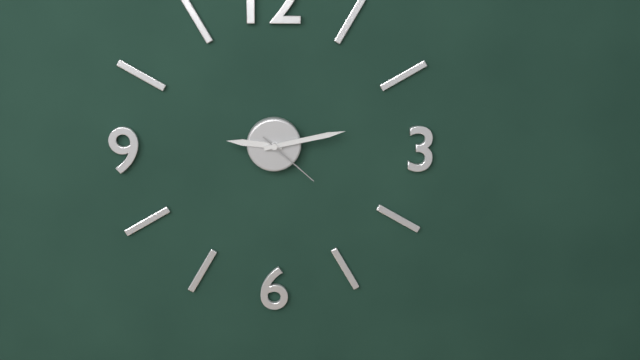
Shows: 9:13:22
